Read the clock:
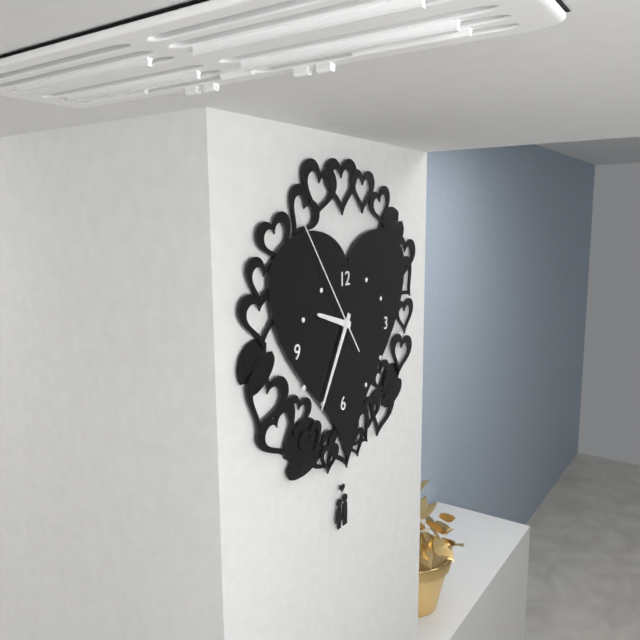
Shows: 9:35:54
